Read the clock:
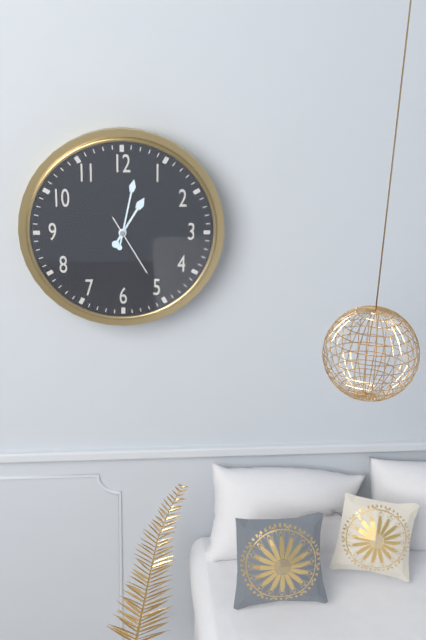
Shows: 1:02:25
